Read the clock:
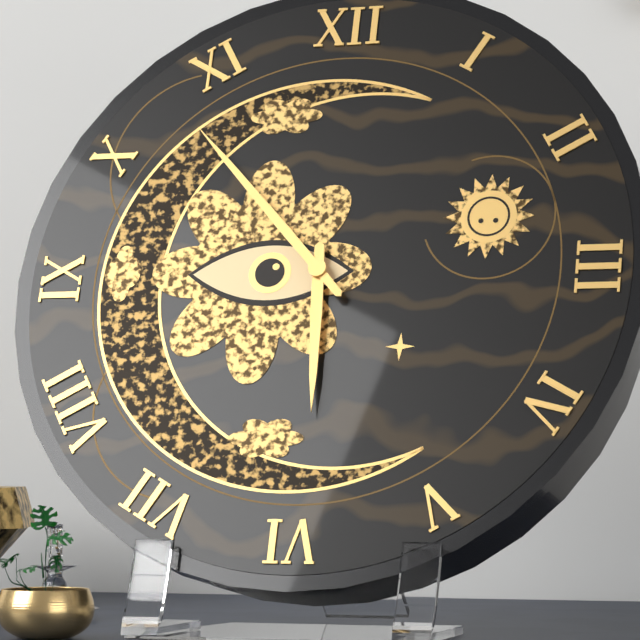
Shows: 5:53
